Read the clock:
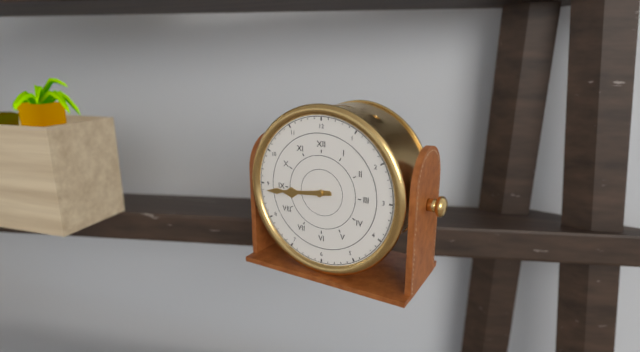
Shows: 8:44
